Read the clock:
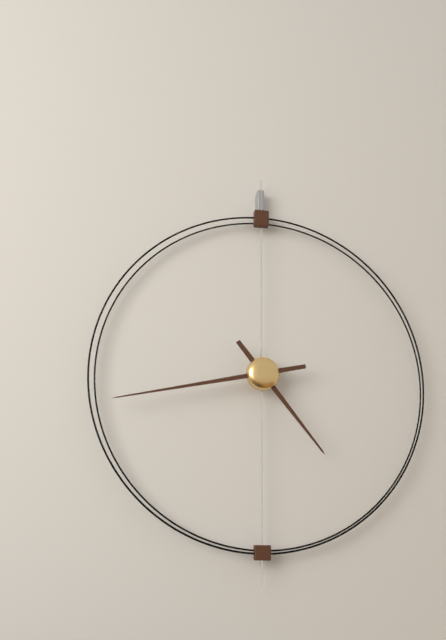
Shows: 4:43
